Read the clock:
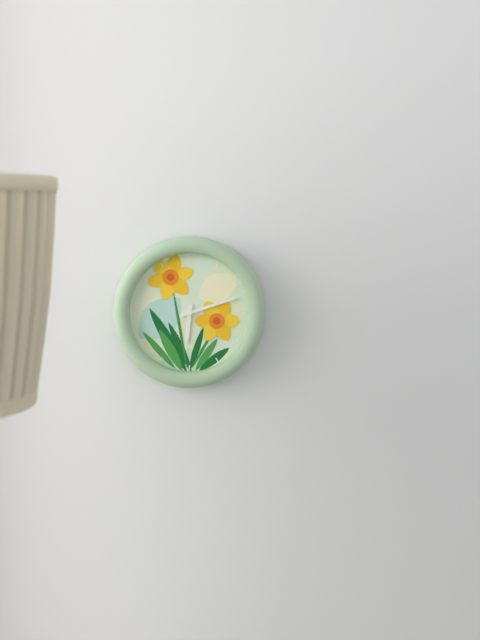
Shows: 6:12
